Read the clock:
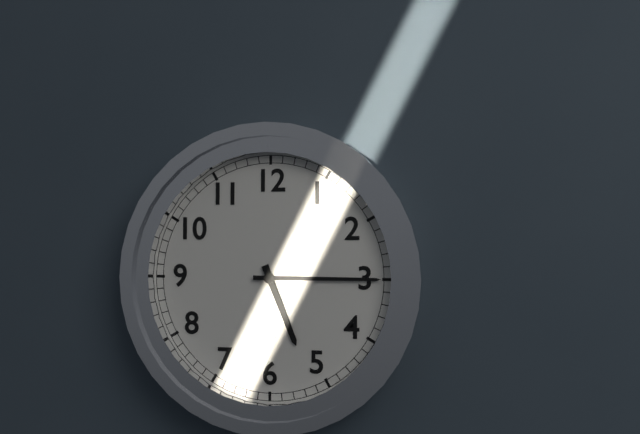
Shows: 5:15
